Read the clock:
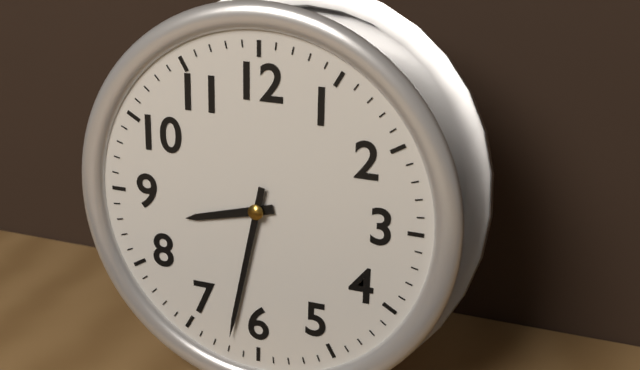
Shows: 8:32
